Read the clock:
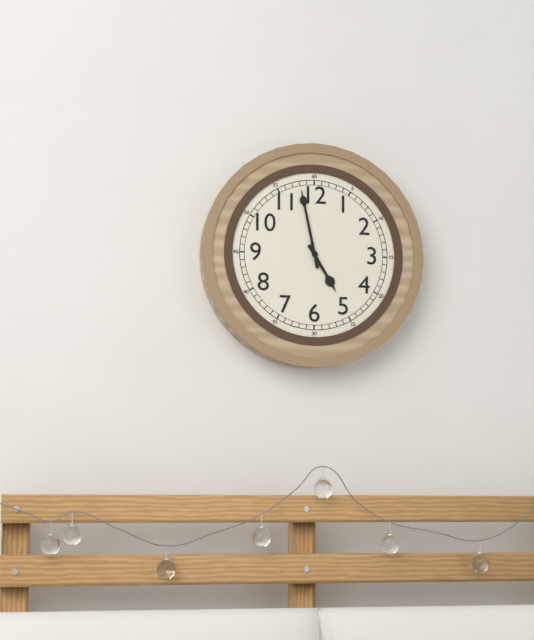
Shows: 4:58
